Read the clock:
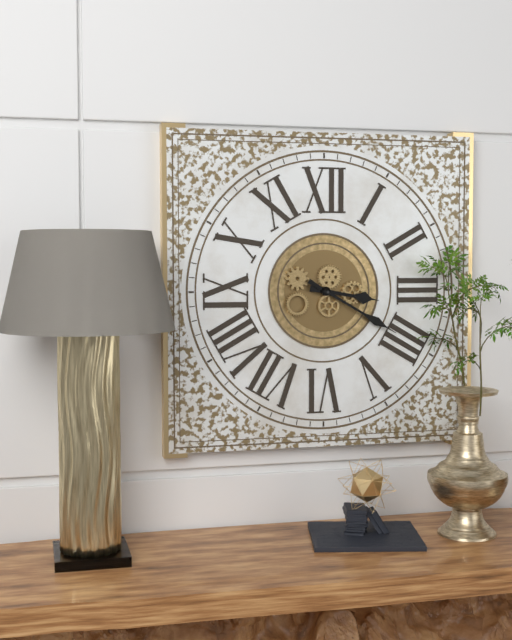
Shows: 3:20
